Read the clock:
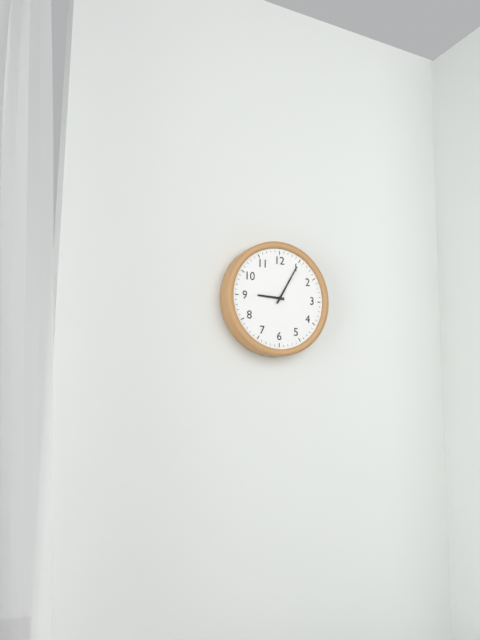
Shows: 9:05
